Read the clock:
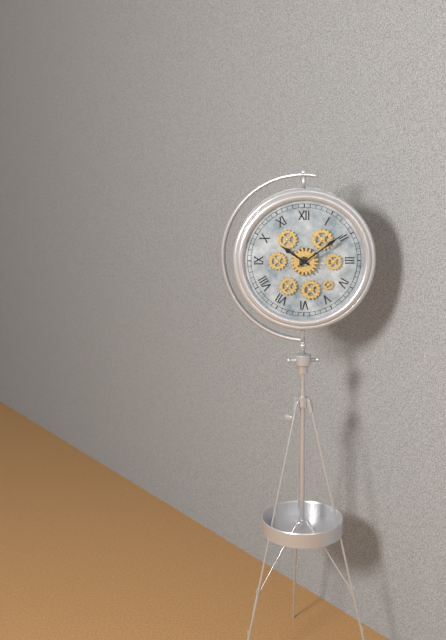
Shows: 10:09
